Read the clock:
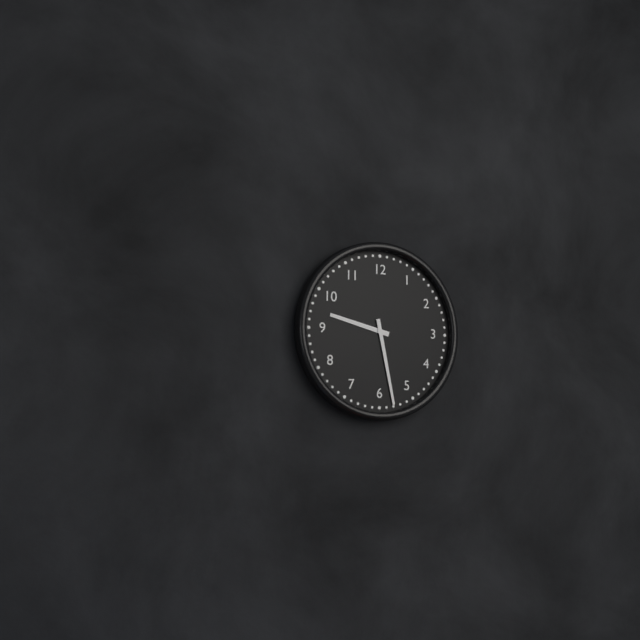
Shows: 9:28
